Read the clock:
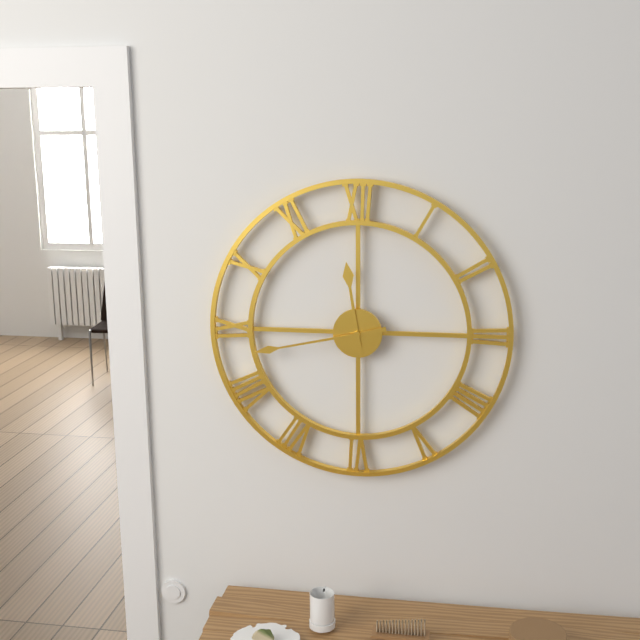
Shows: 11:43
